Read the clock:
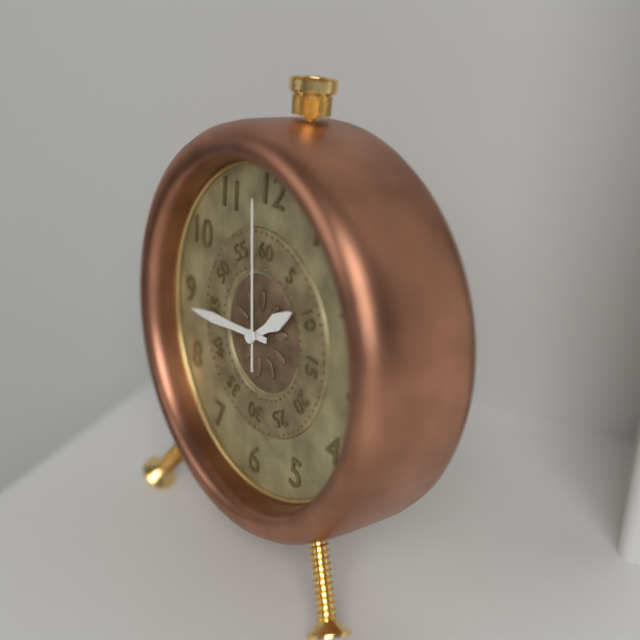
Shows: 1:44:59
